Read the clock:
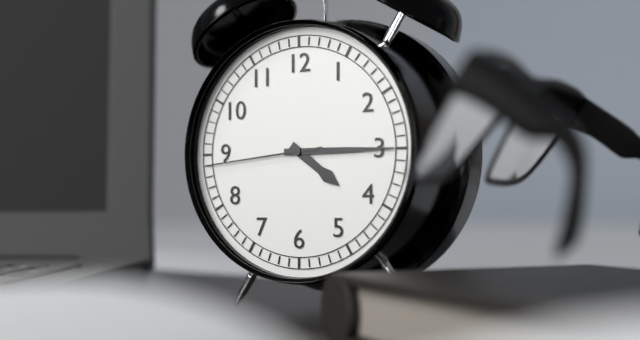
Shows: 4:15:44
